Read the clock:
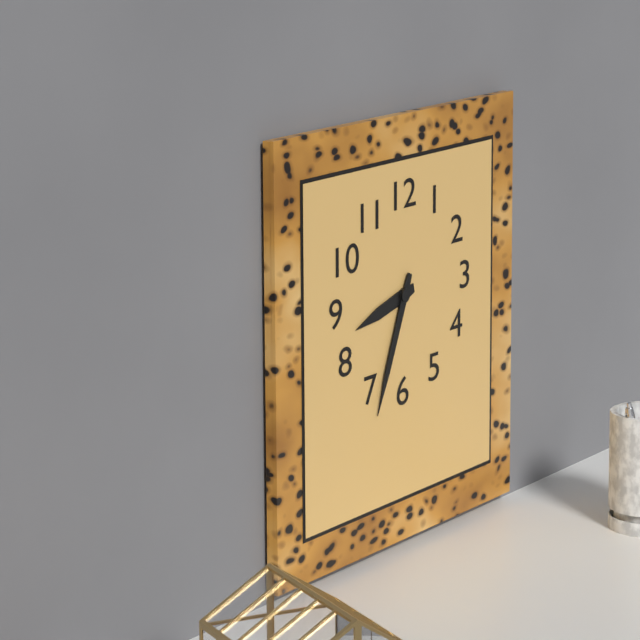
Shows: 8:34
